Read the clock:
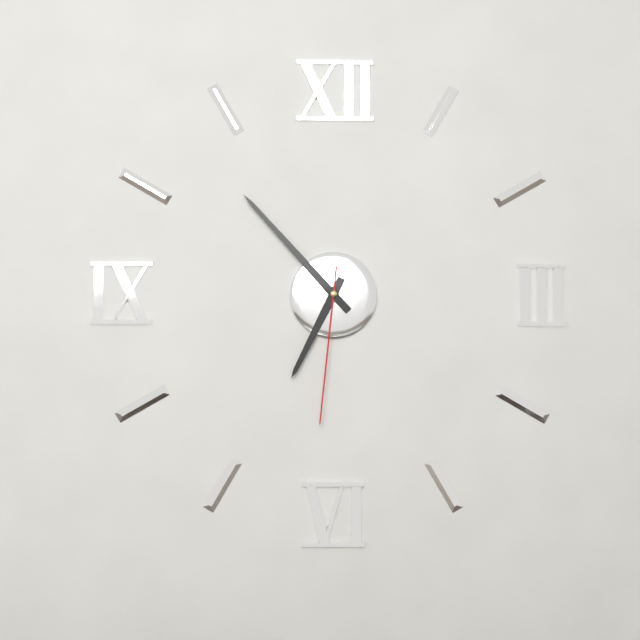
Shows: 6:53:31
